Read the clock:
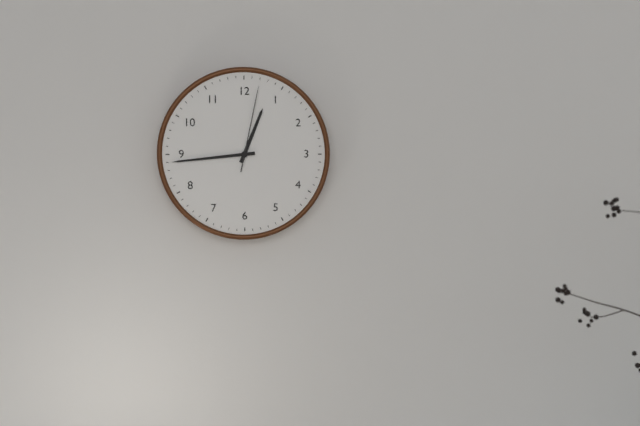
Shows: 12:44:02
